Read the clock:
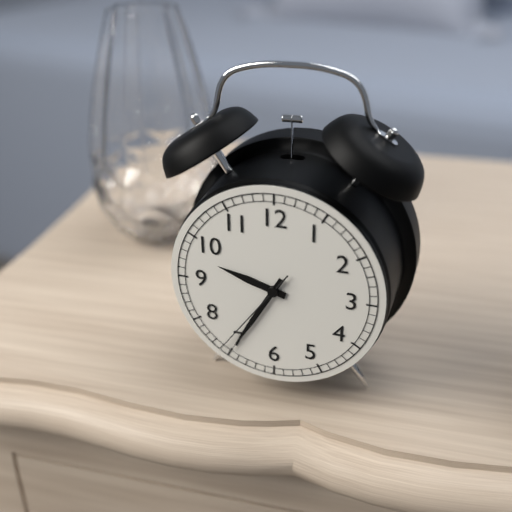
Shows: 9:35:36
